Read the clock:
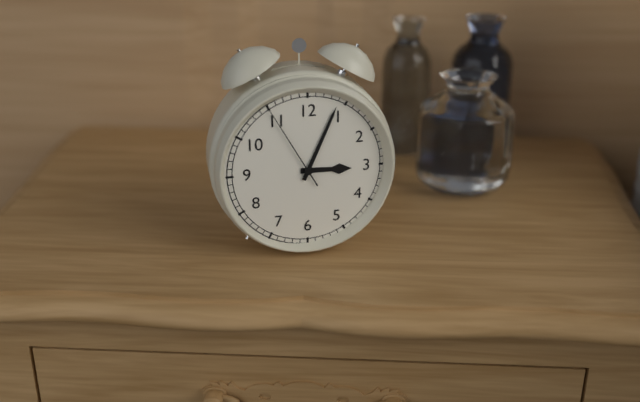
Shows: 3:04:55
